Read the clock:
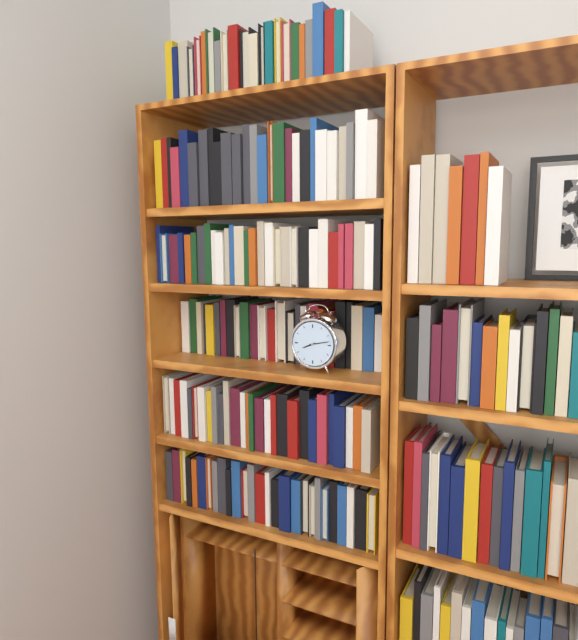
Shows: 8:13
